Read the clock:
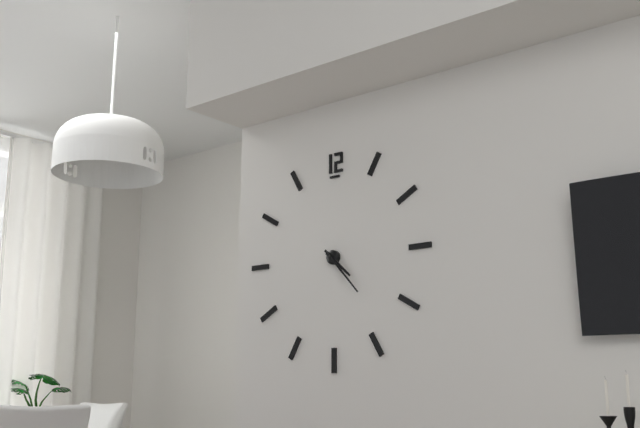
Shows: 4:23
